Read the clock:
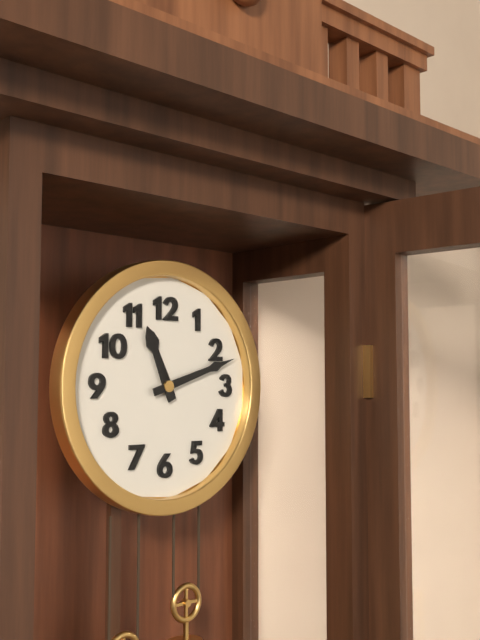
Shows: 11:12
